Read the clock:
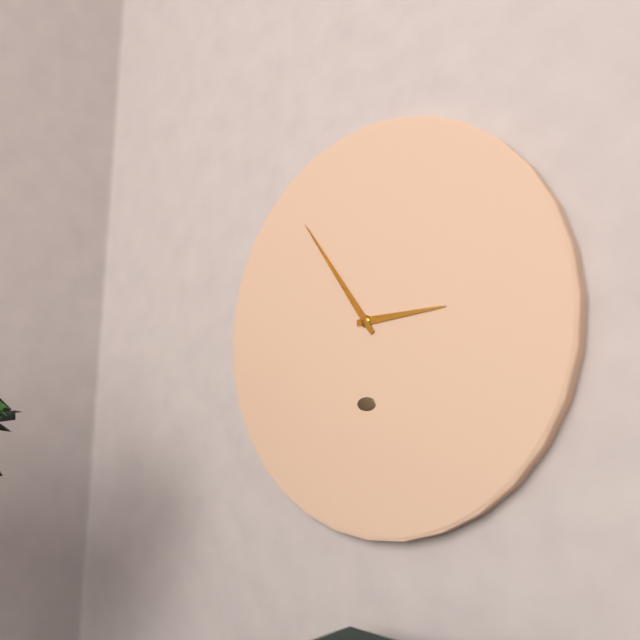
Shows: 2:54
